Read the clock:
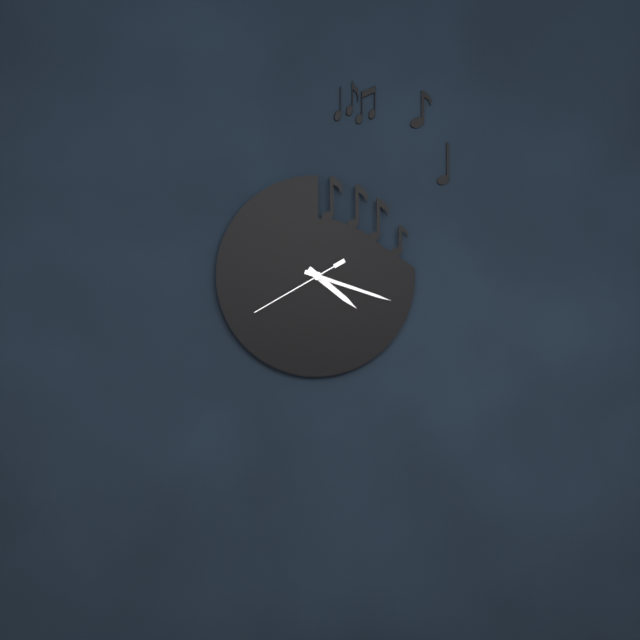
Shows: 4:18:40
